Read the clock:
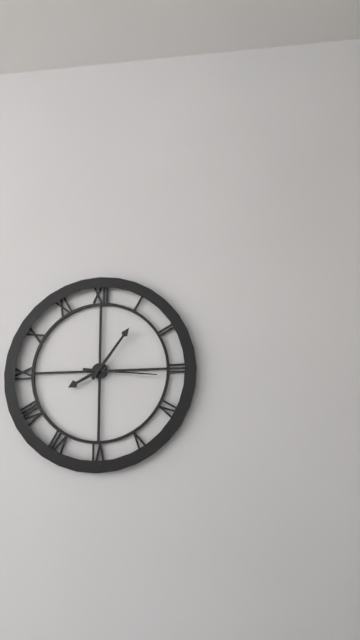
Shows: 8:06:16
